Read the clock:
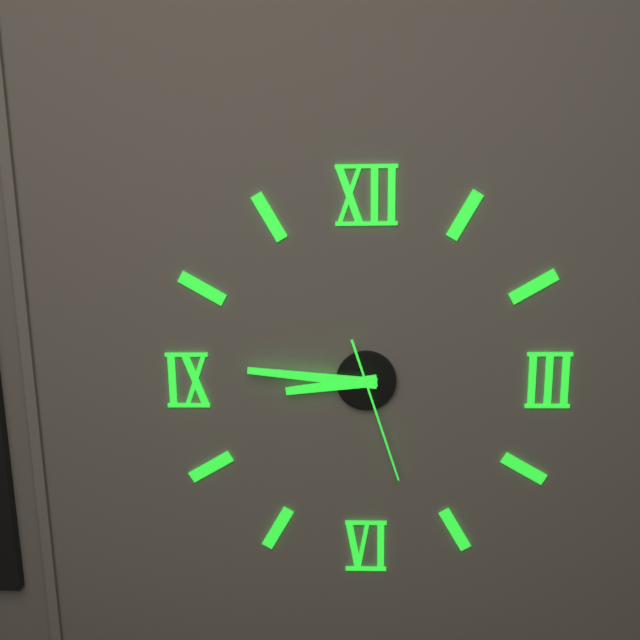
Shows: 8:46:27
